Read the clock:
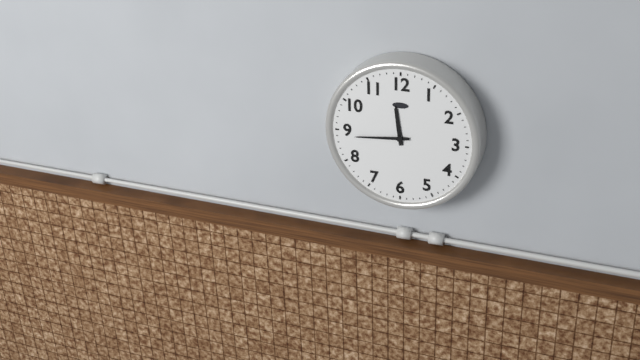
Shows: 11:44
